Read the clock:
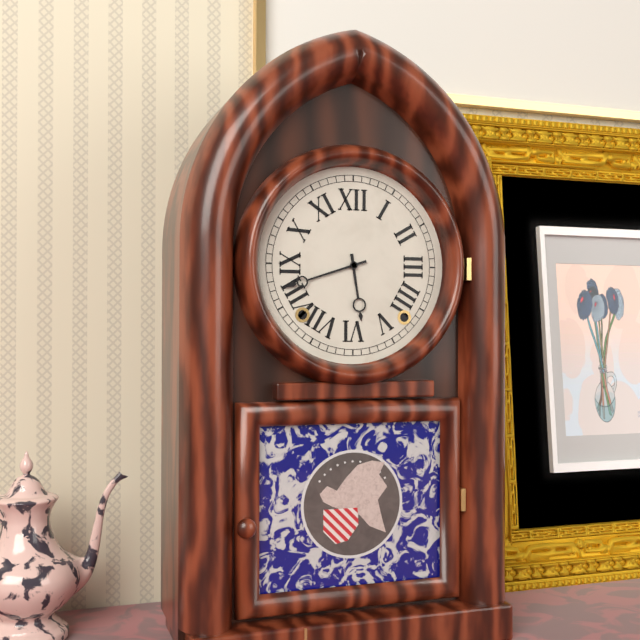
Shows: 5:42
